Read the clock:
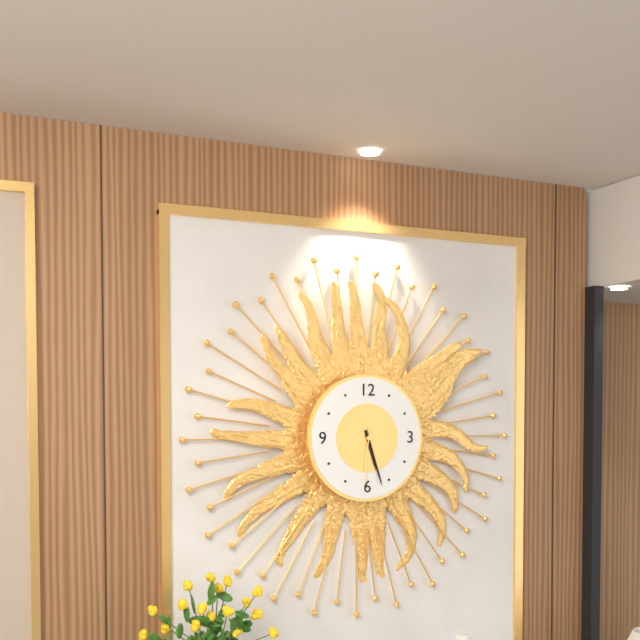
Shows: 5:27:31
